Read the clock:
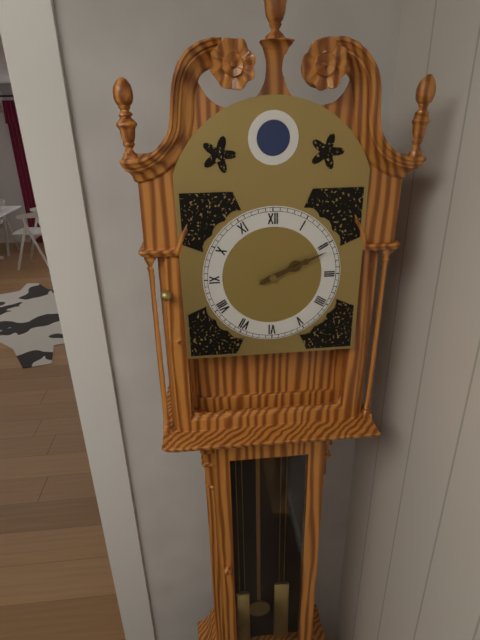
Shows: 2:11
